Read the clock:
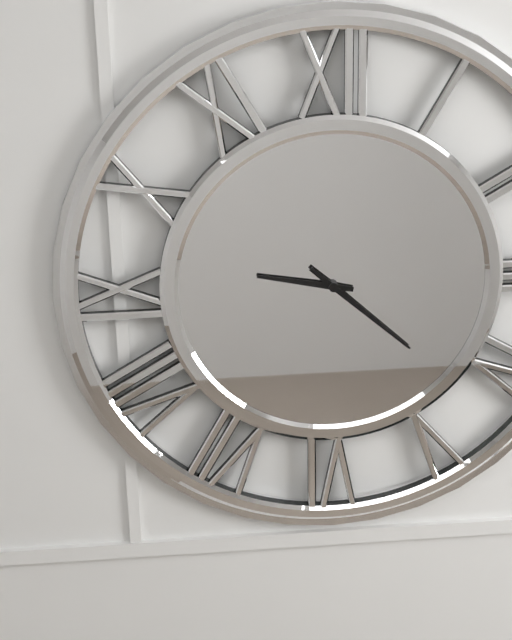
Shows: 9:22
